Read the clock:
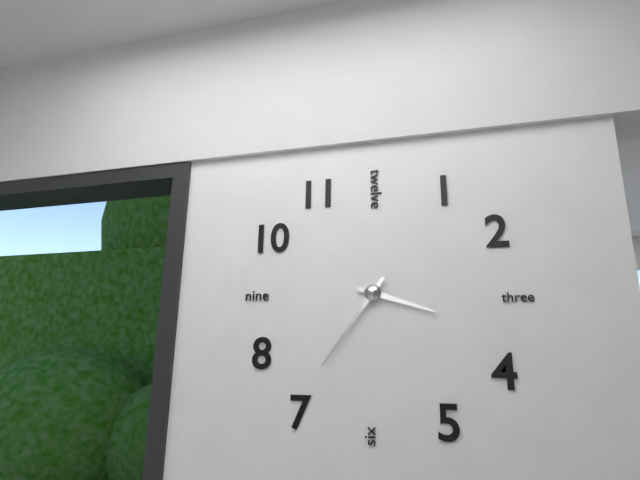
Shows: 3:36
